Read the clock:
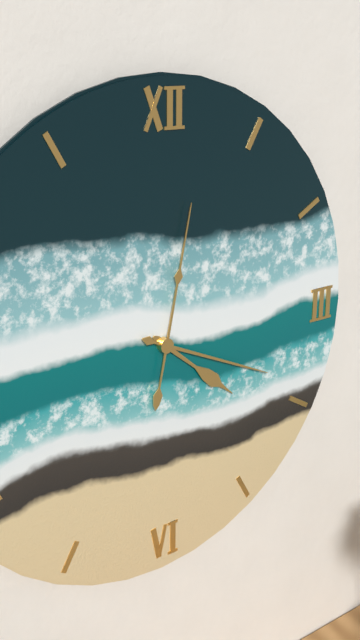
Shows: 4:19:02
